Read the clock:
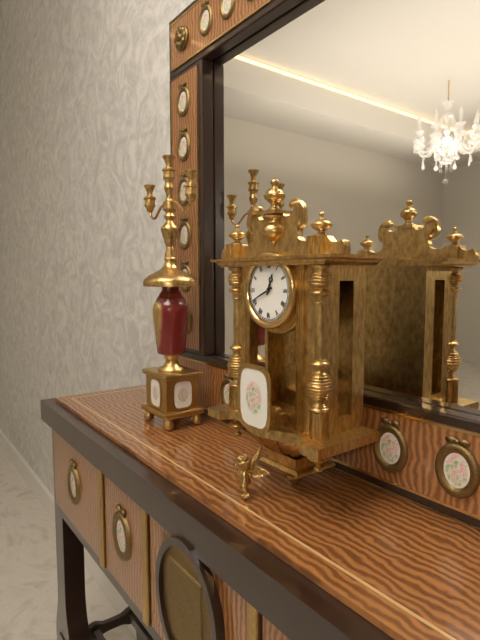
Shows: 12:41
